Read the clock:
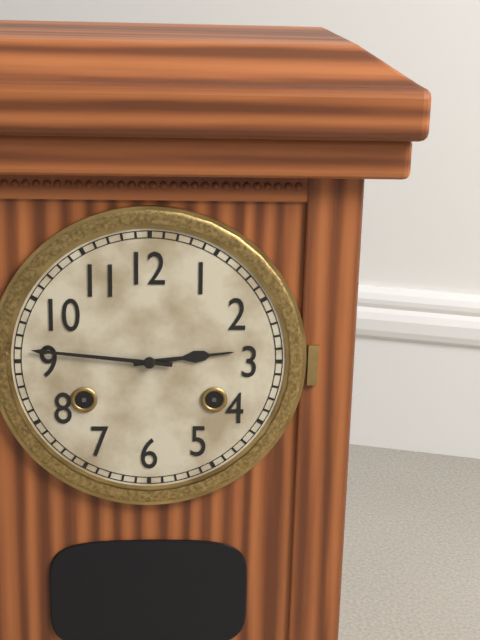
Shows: 2:46
